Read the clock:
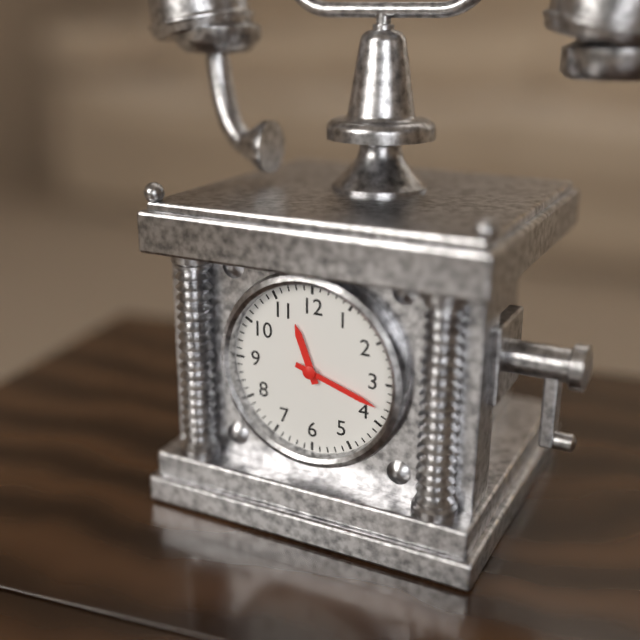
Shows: 11:18
